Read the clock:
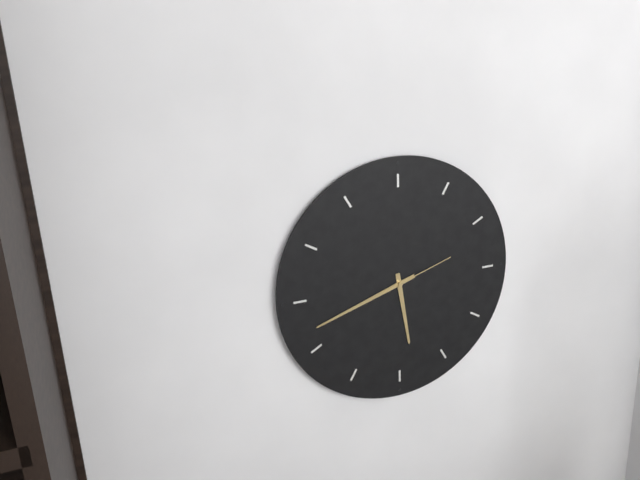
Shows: 5:42:12
